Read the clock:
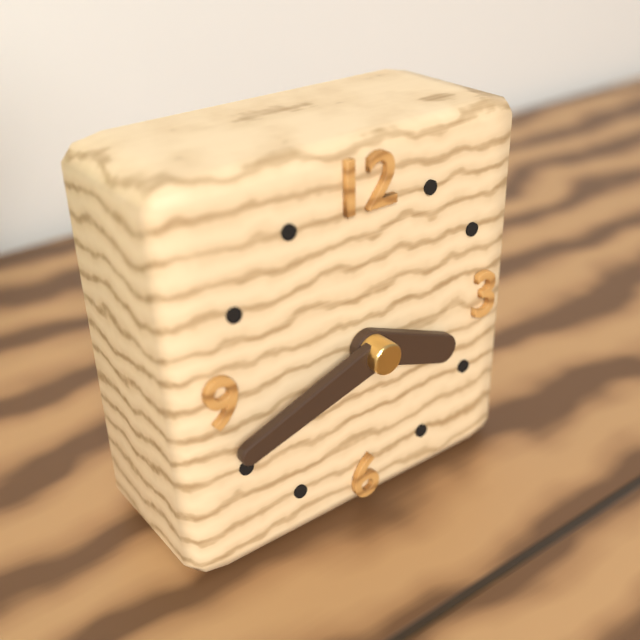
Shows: 3:42
